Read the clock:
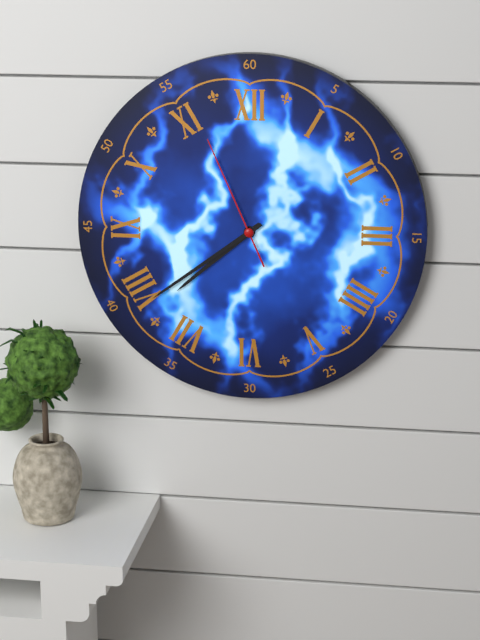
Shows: 7:39:56
